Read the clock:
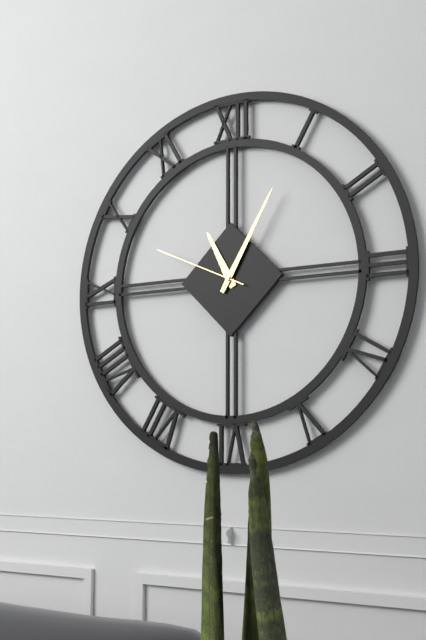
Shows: 11:05:49
